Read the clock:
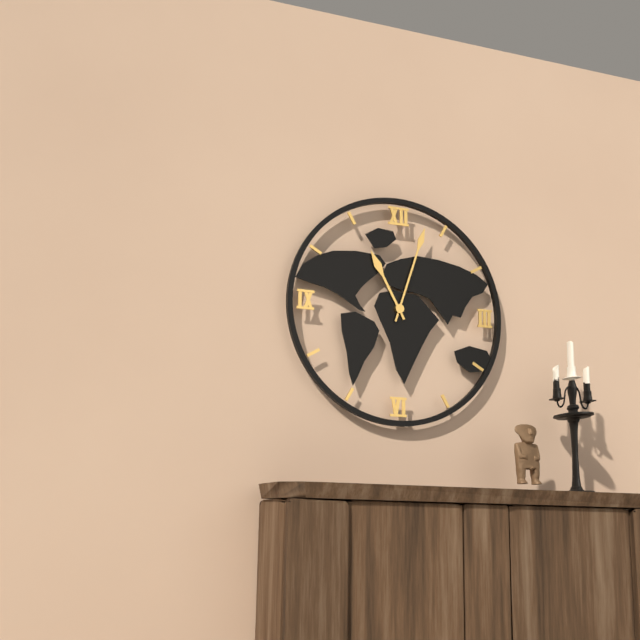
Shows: 11:03
